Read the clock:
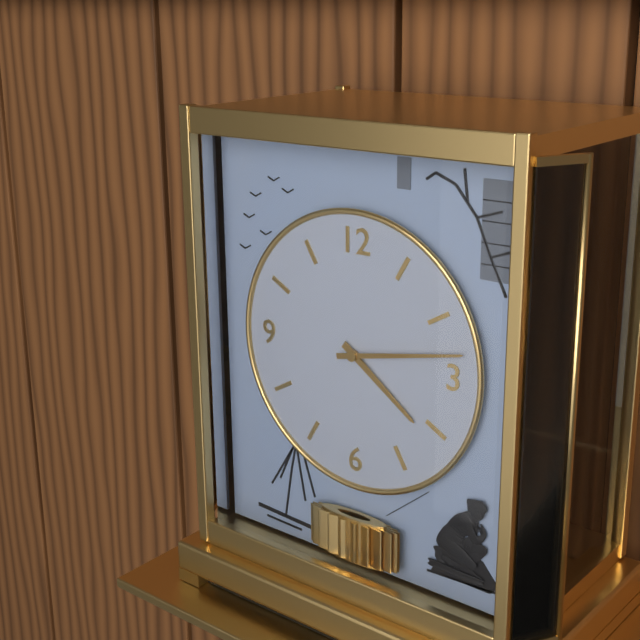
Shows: 4:13
